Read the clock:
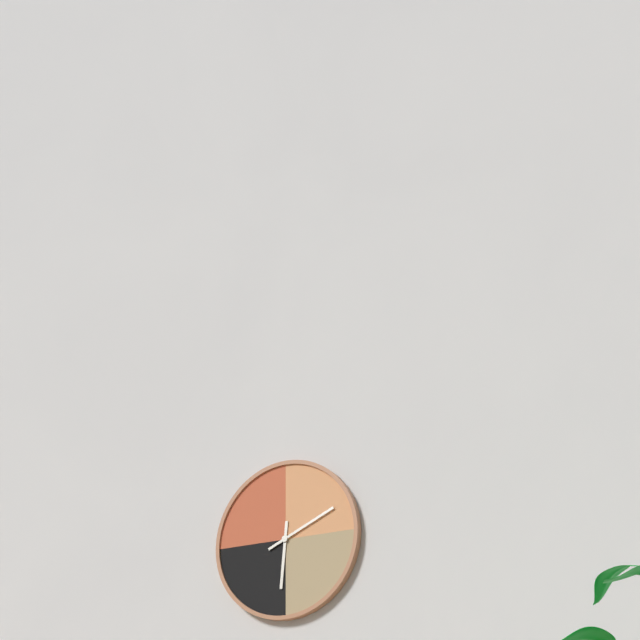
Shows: 6:11
